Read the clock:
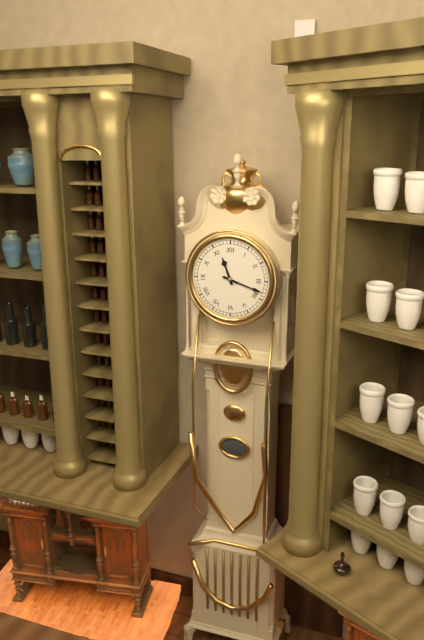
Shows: 11:18
